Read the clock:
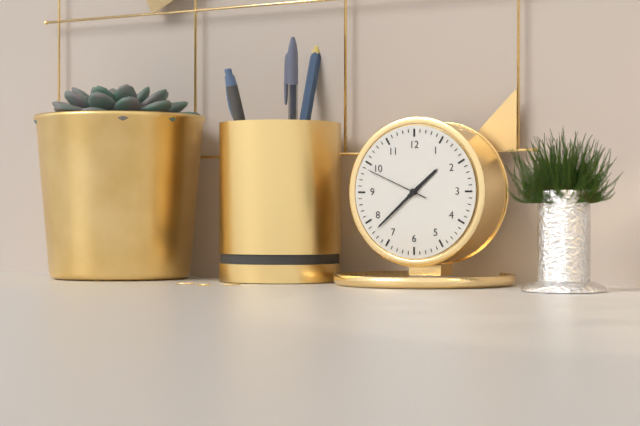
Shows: 1:38:49
